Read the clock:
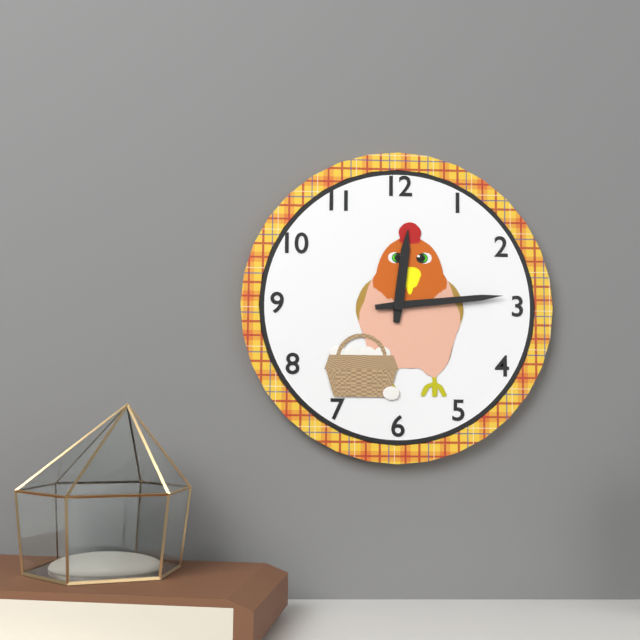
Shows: 12:14
